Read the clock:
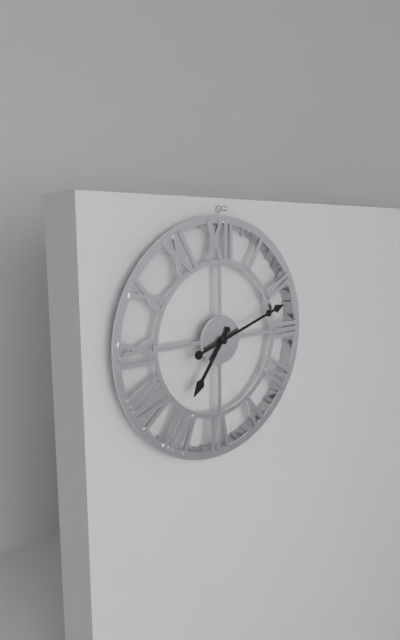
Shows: 7:12
